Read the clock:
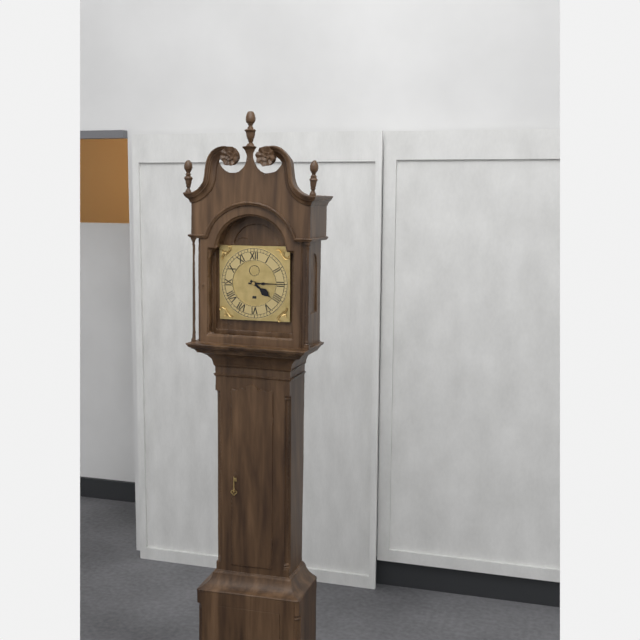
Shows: 4:15
